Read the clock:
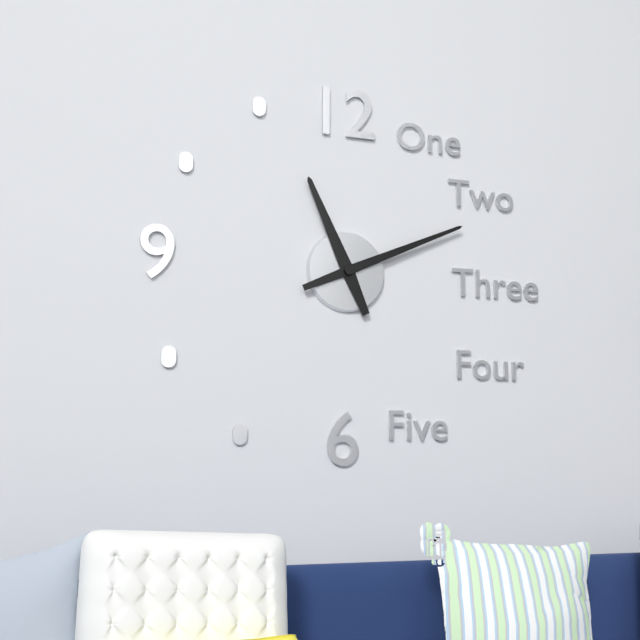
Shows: 11:11
